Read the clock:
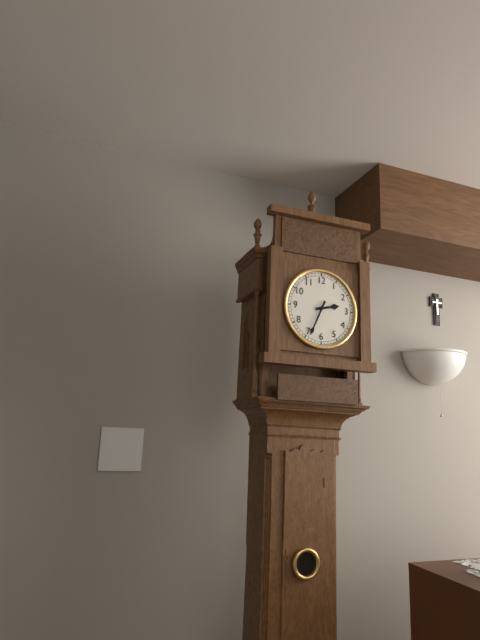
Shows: 2:34
